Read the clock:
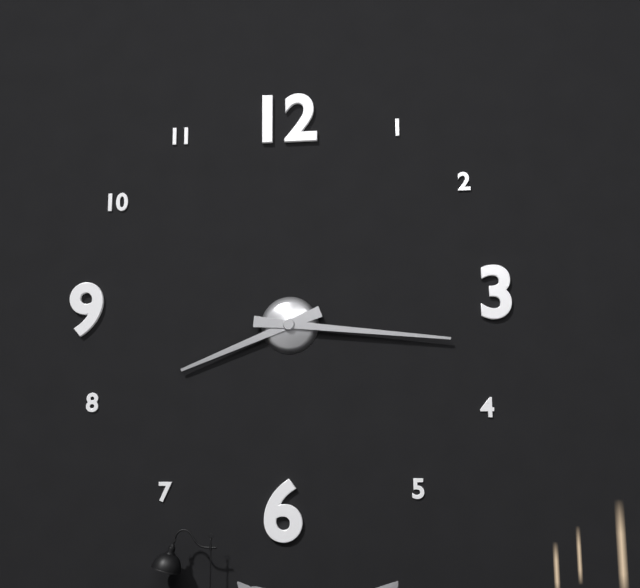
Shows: 8:16
